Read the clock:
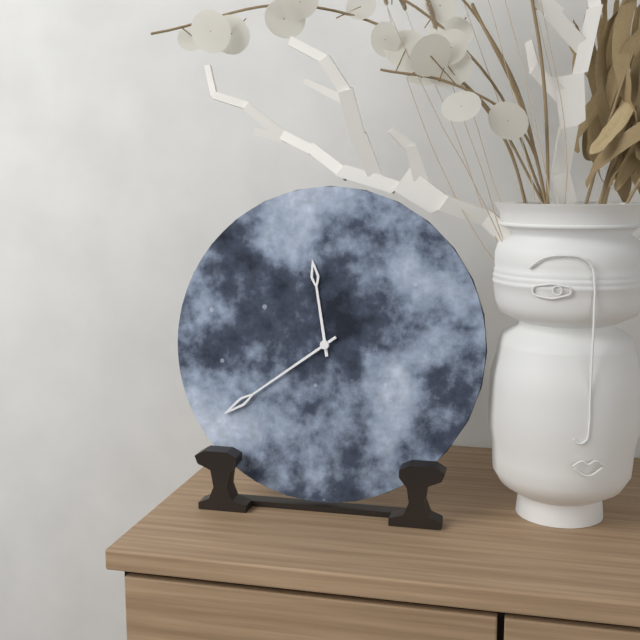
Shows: 11:39
